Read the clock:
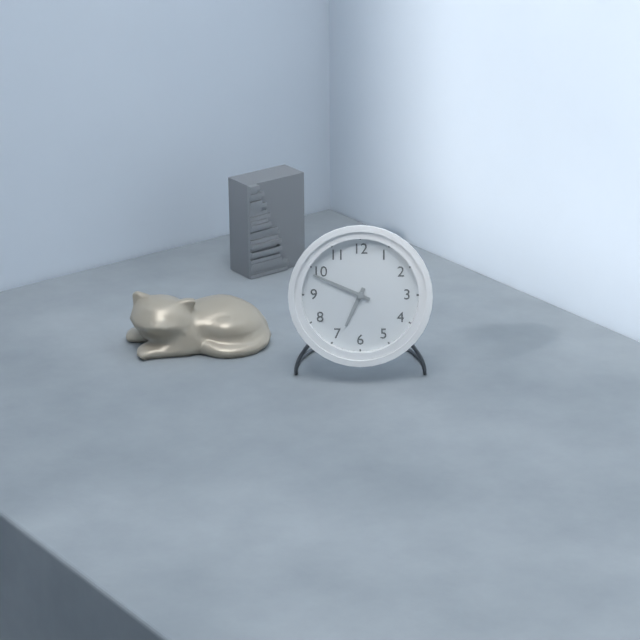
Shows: 6:49
